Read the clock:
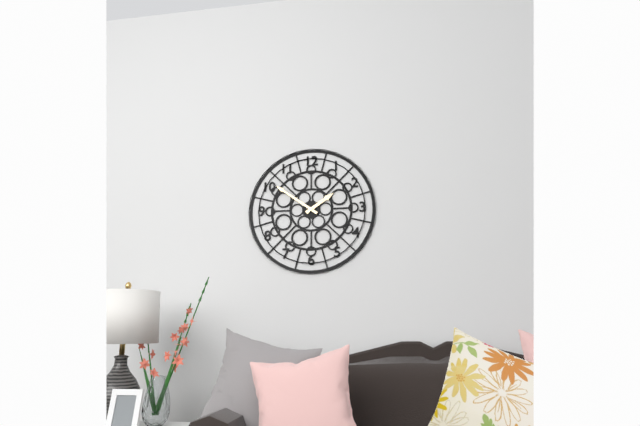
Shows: 1:51
